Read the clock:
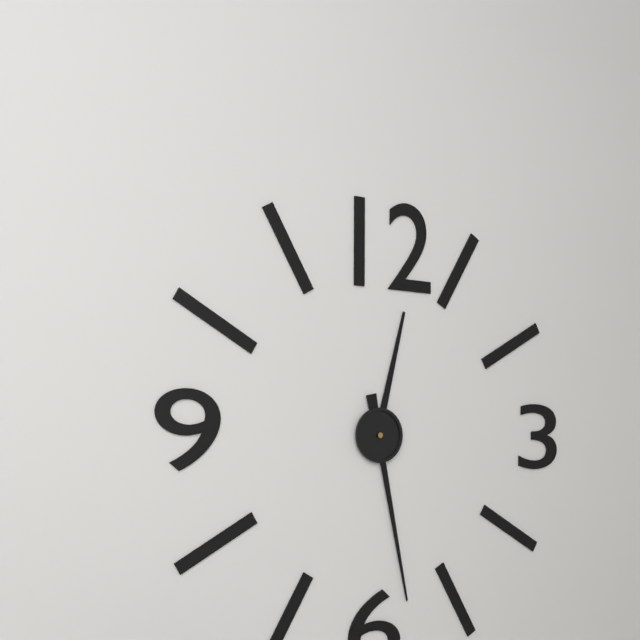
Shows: 12:28
